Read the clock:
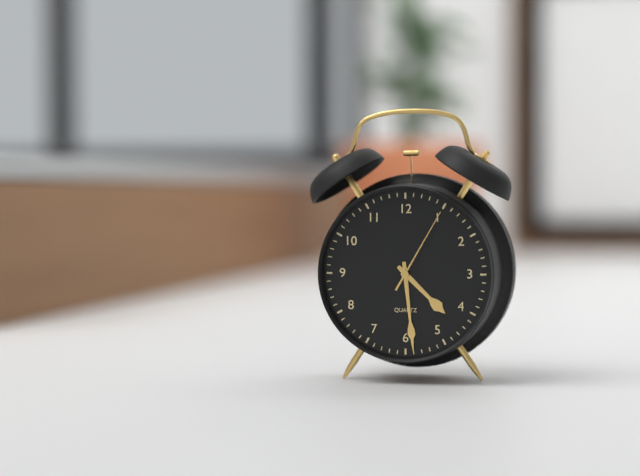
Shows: 4:29:05
